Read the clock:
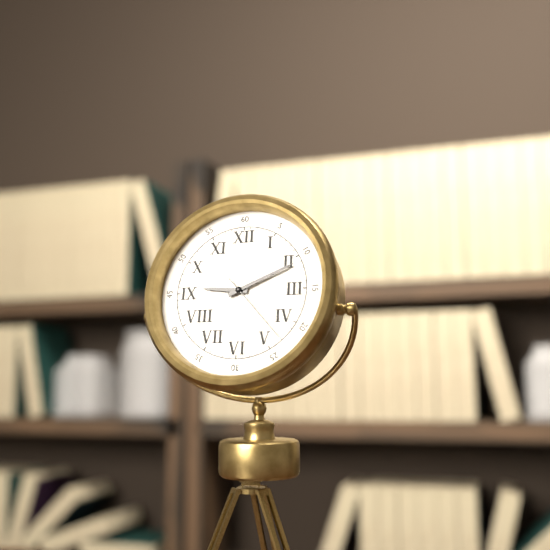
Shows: 9:11:23
